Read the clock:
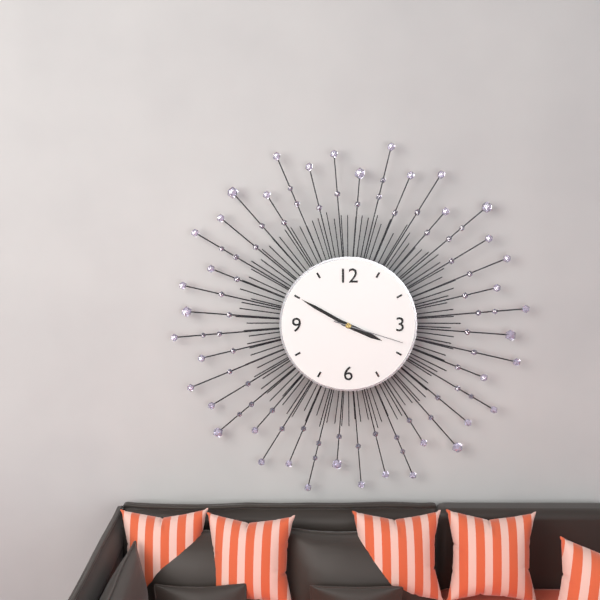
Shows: 3:50:18
